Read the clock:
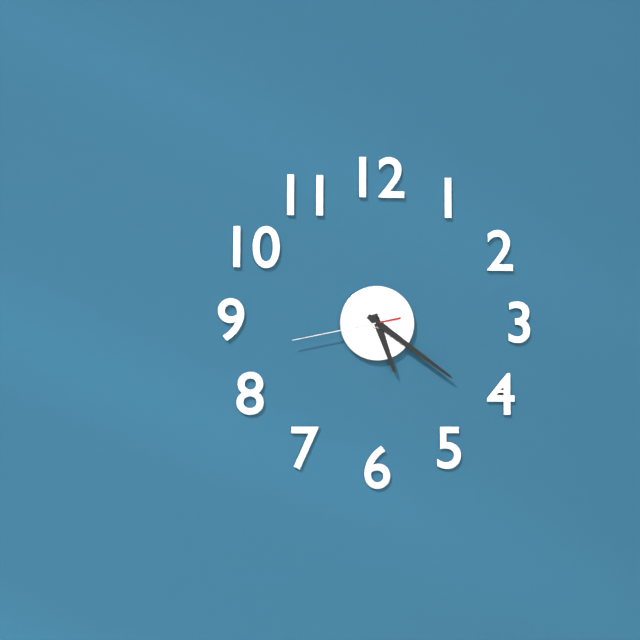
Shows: 5:21:43
